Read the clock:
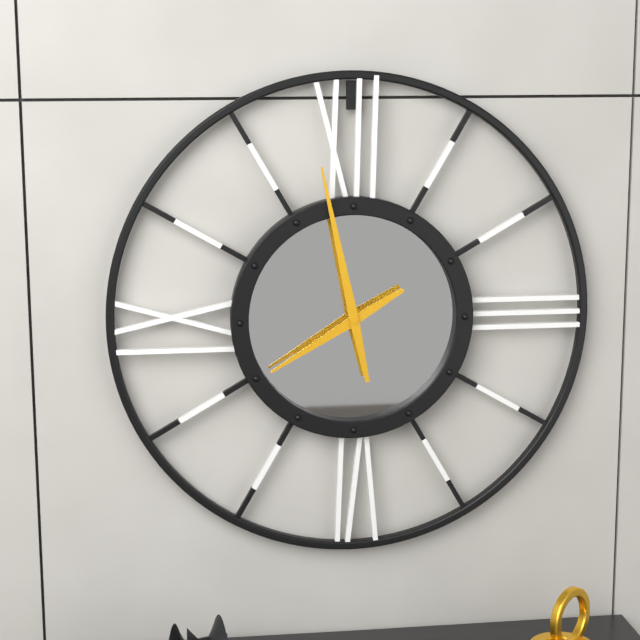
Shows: 7:58
